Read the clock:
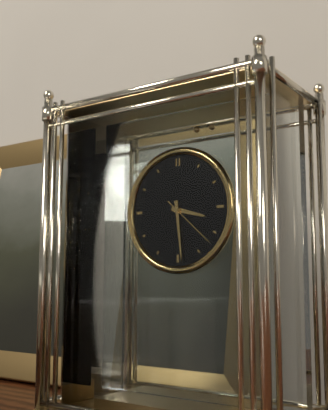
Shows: 3:29:22
